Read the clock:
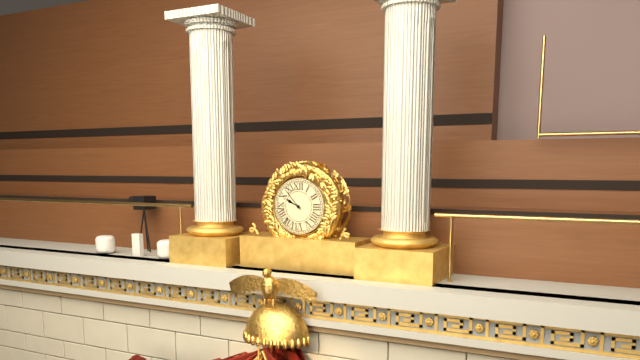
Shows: 9:53
